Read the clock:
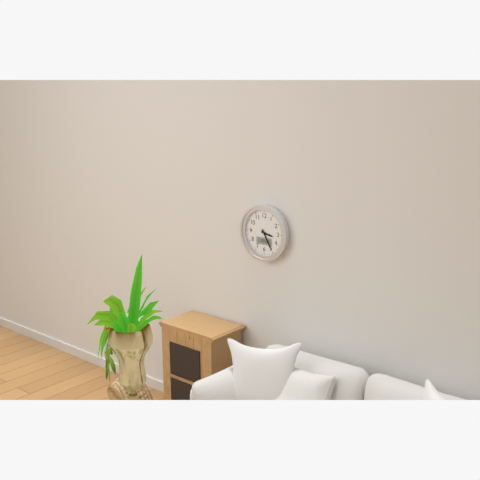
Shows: 3:25
